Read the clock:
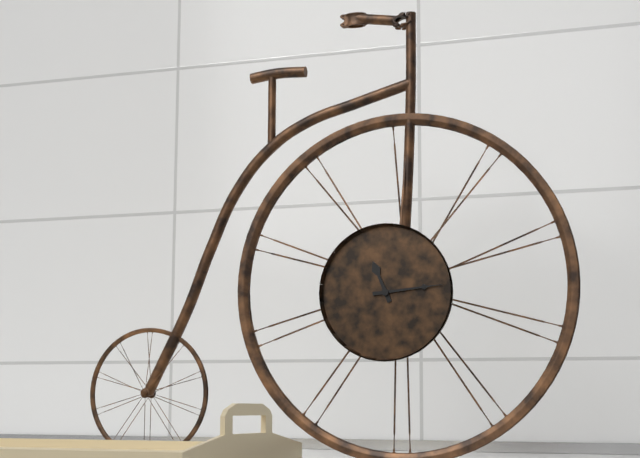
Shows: 11:14
